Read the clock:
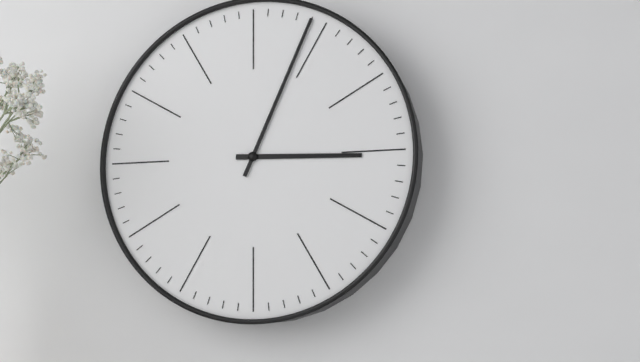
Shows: 3:04
